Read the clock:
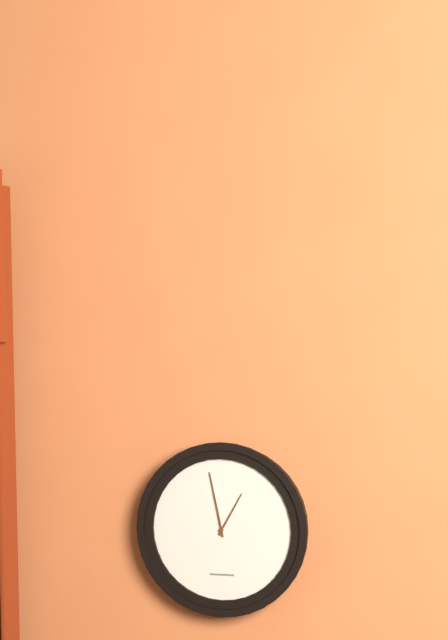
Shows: 12:58
